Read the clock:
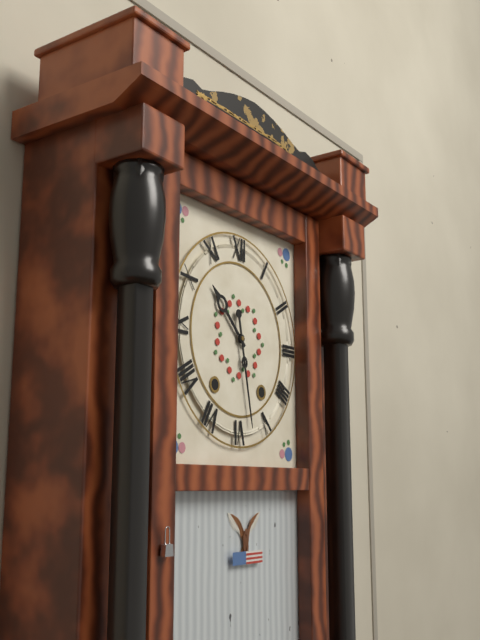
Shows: 10:28
